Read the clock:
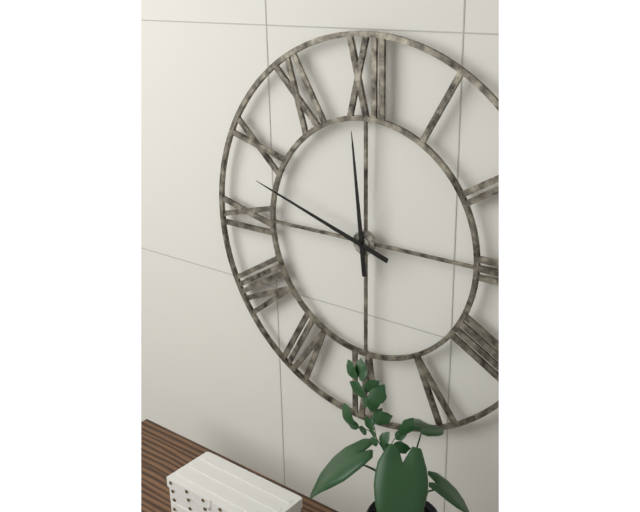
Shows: 11:48
